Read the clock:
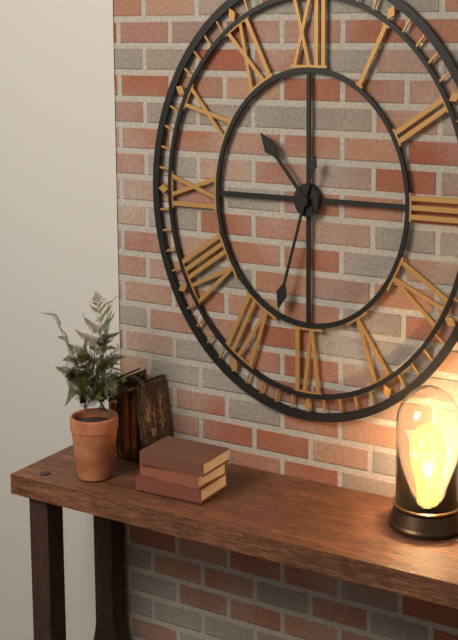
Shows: 10:33
